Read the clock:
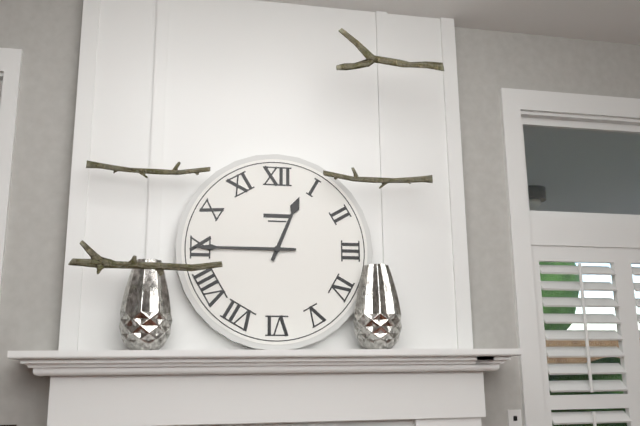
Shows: 12:45
